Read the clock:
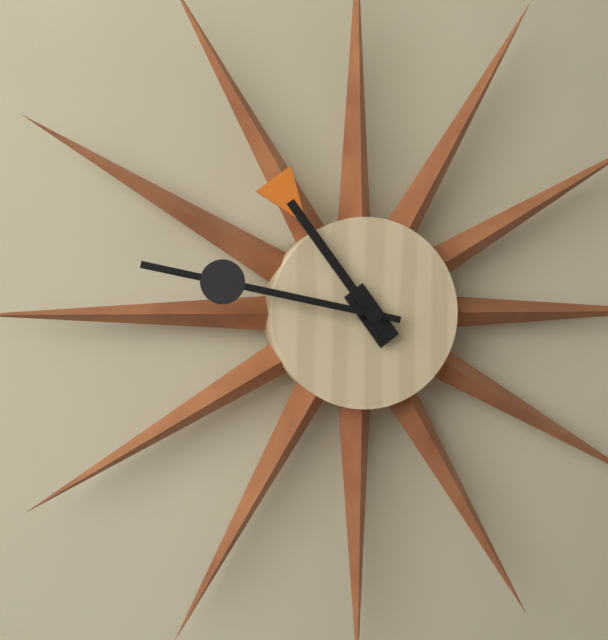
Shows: 10:47
